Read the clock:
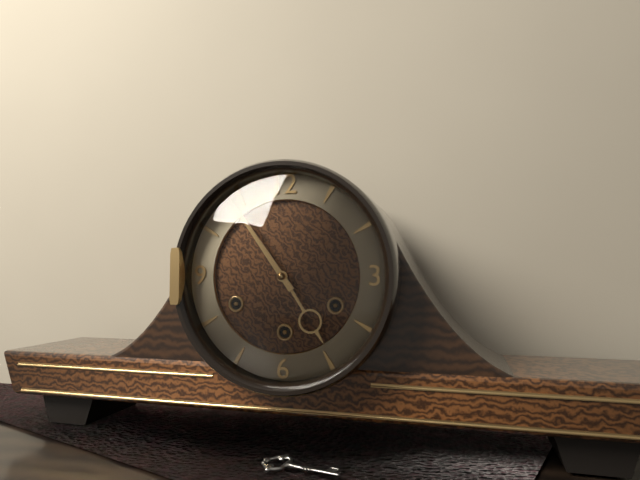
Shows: 4:54
